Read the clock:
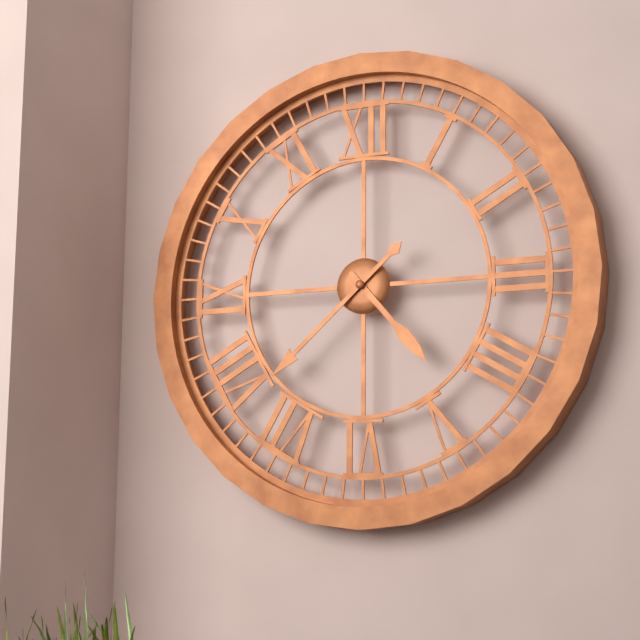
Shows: 4:38
